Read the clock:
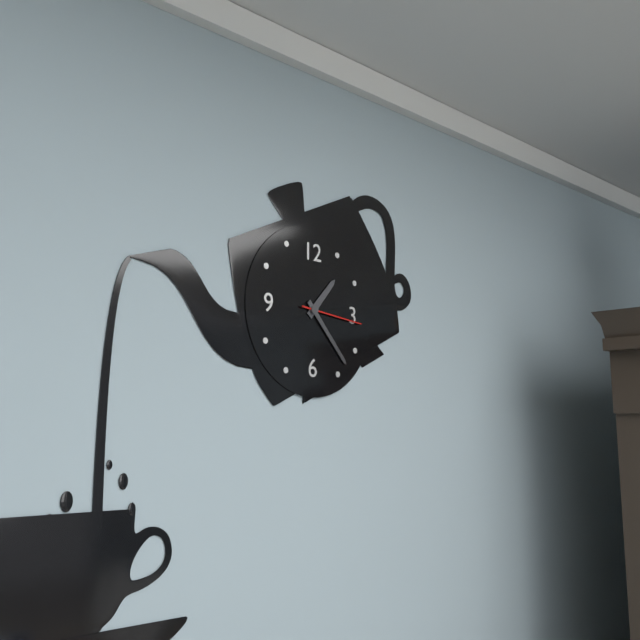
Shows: 1:23:16
